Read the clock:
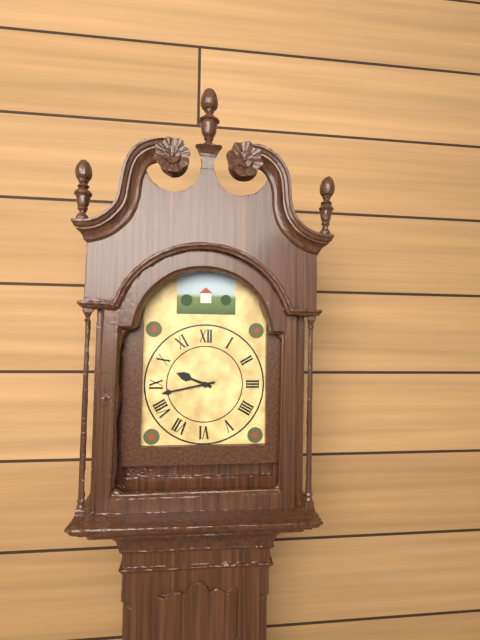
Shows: 9:43
